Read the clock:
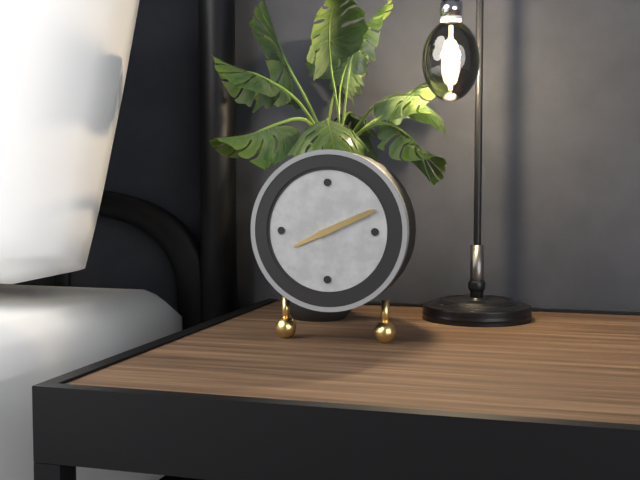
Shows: 8:11
